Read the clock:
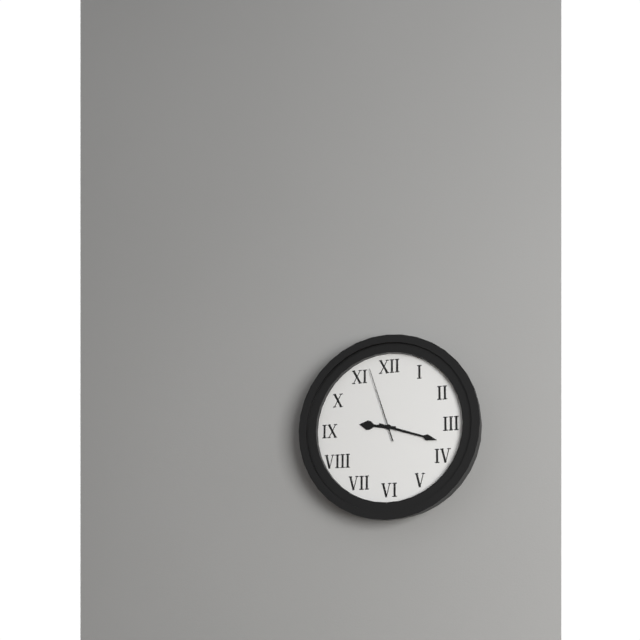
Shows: 9:18:57
